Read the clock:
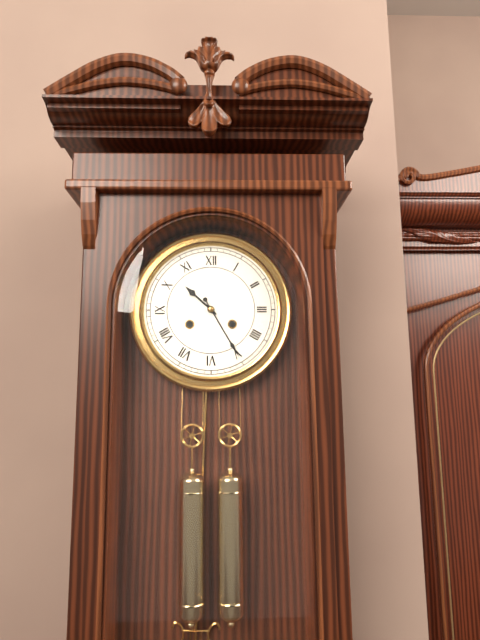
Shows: 10:25
